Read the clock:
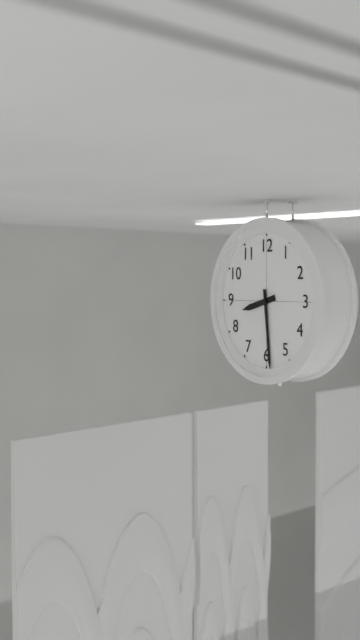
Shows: 8:29
